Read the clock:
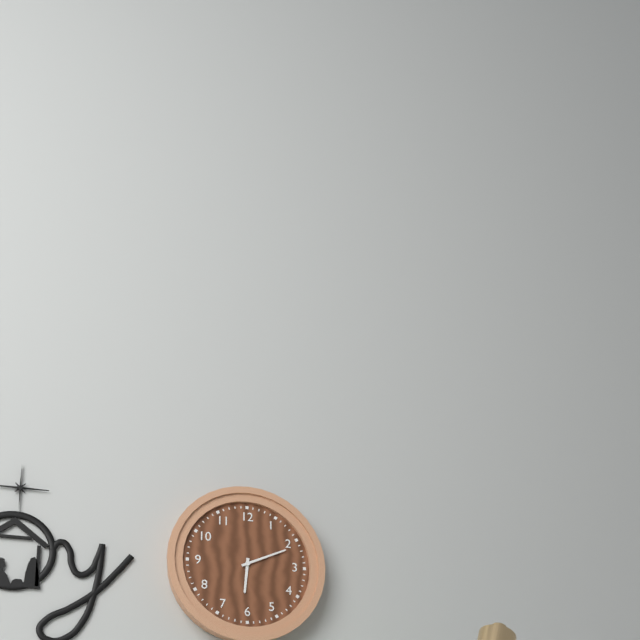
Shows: 6:11
